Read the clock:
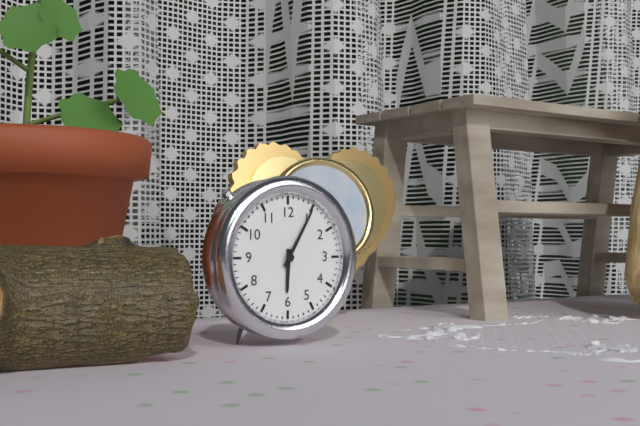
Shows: 6:05
